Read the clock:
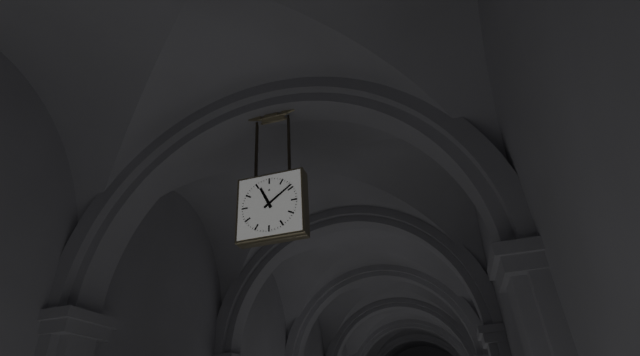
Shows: 11:09
